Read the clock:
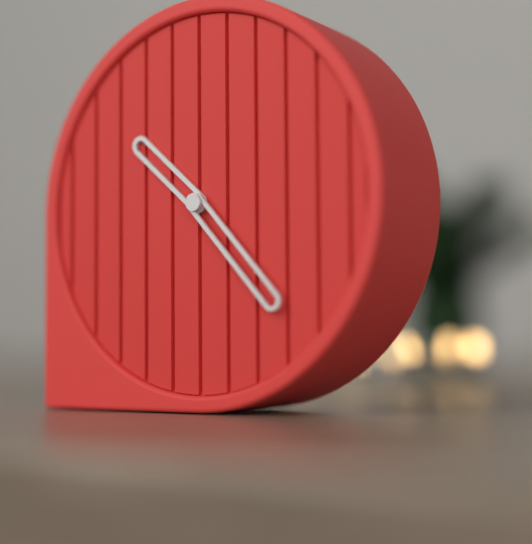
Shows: 10:23
